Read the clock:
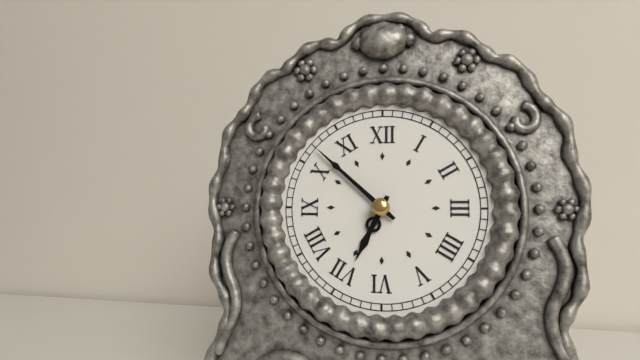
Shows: 6:52
